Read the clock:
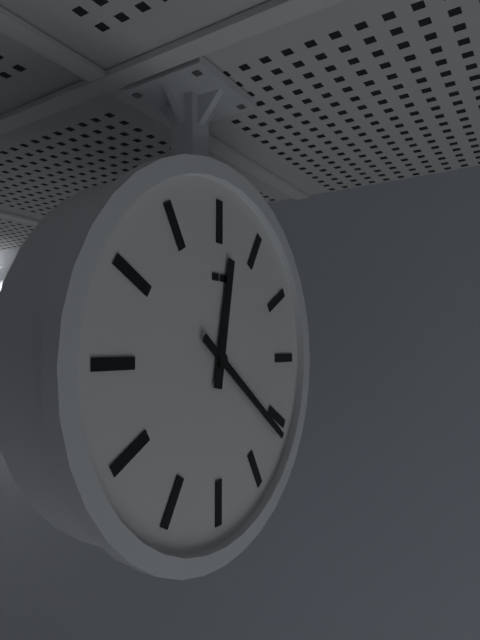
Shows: 12:21
